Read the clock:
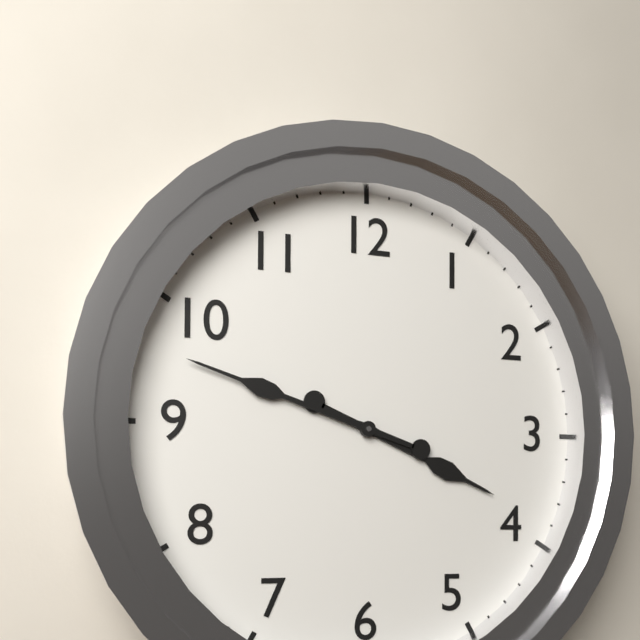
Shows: 3:48
